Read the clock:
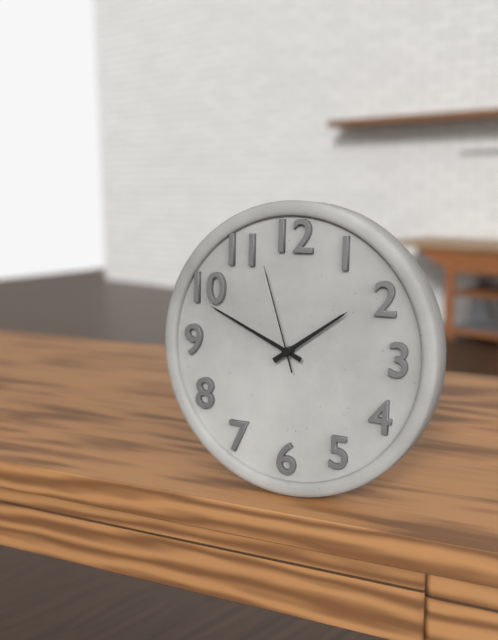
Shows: 1:49:57
